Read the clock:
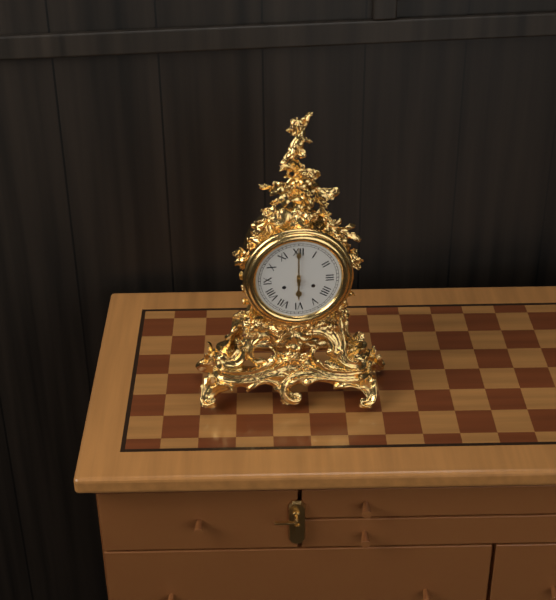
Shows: 6:00
